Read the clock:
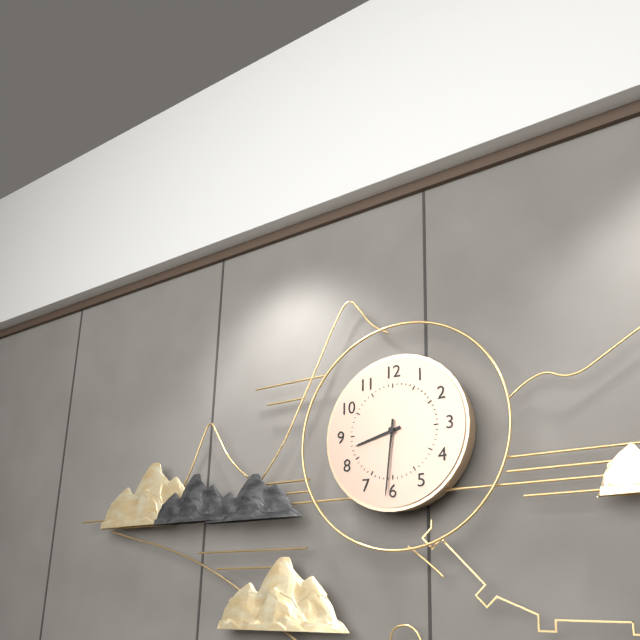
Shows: 8:31
